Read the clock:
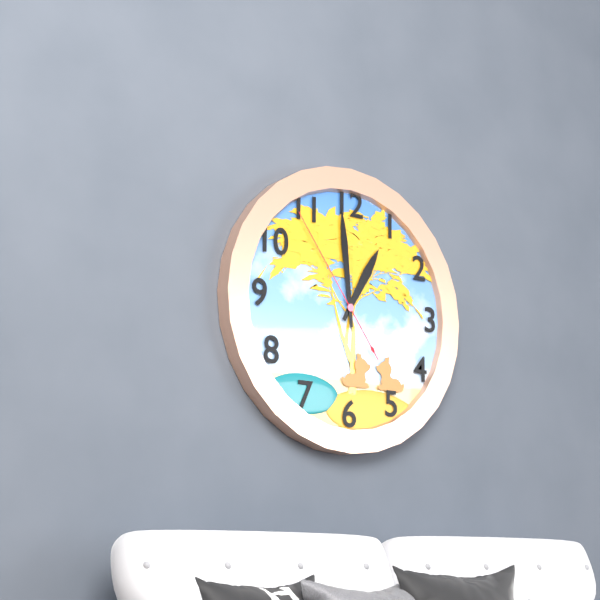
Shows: 12:59:54
